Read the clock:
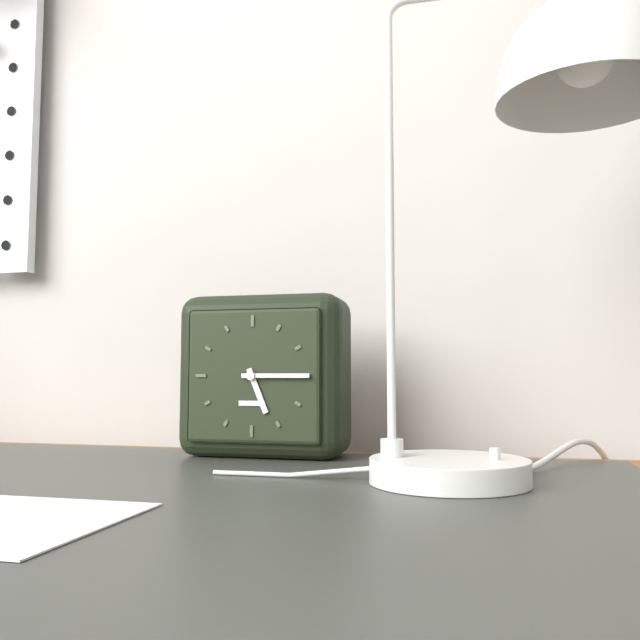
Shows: 5:15
